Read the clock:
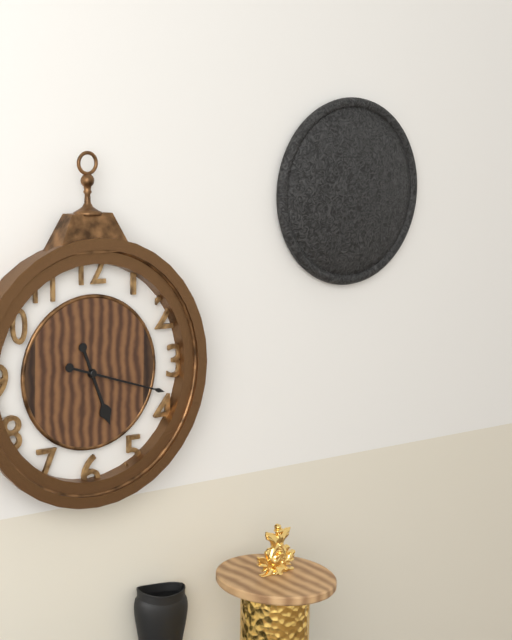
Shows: 5:18
